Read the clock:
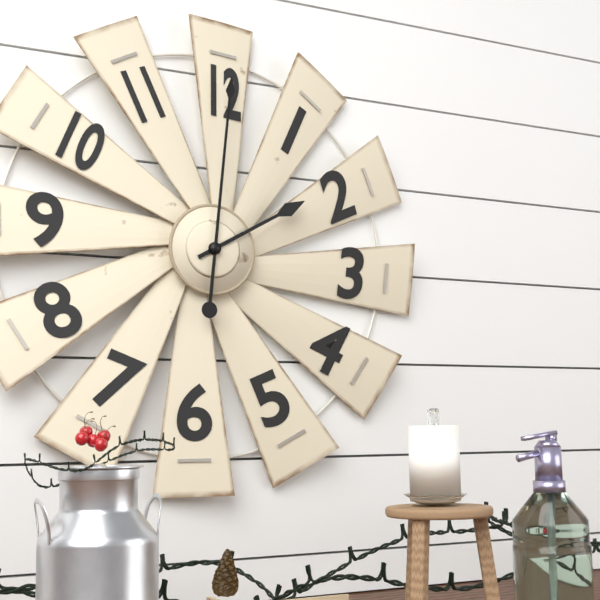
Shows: 2:01
